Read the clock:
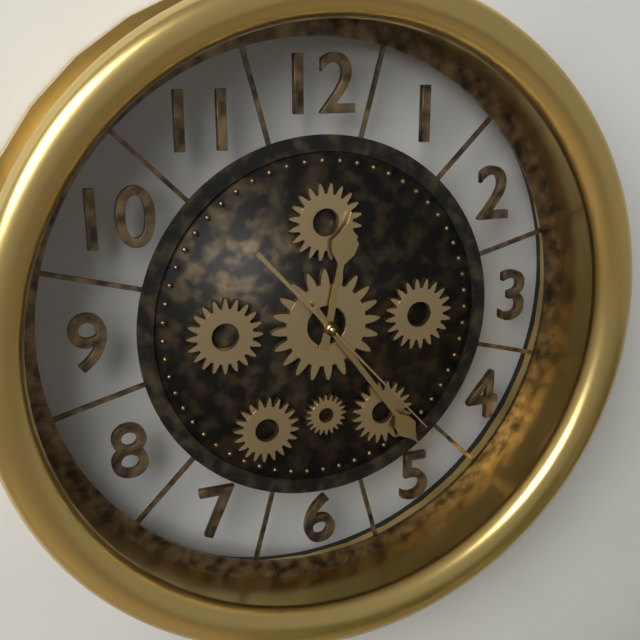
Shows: 12:24:23
